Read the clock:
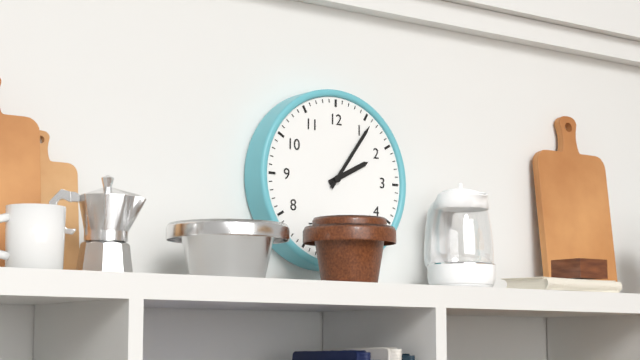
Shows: 2:06
